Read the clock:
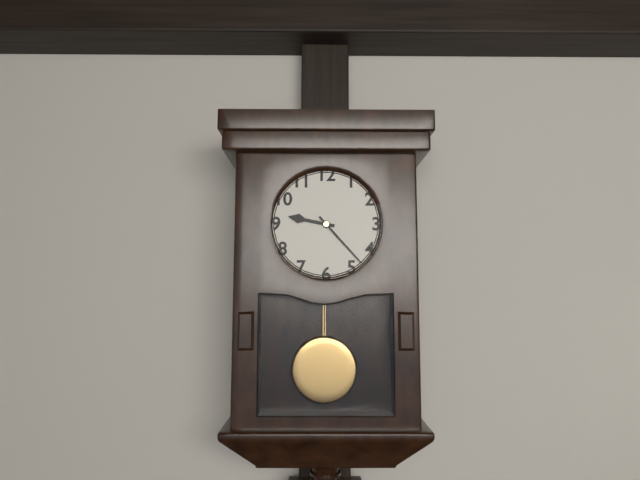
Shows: 9:23
